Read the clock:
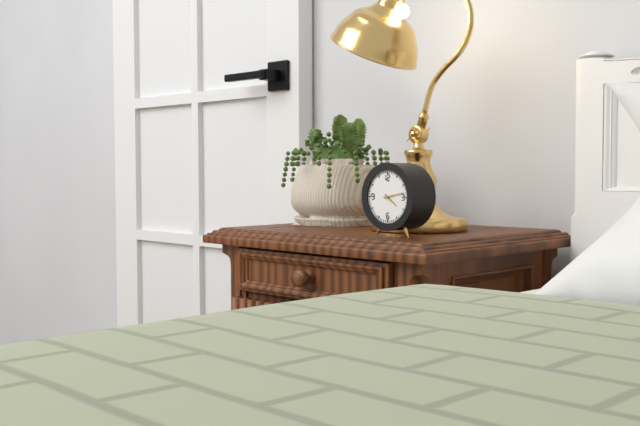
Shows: 4:13
